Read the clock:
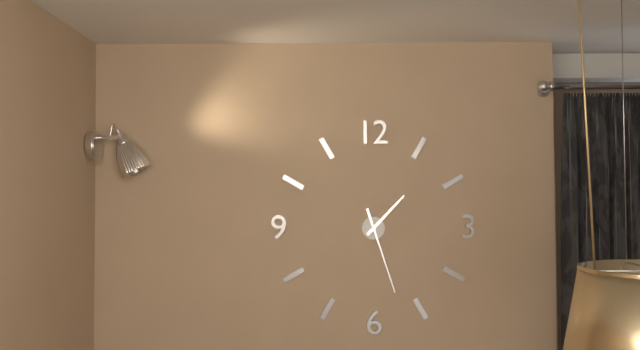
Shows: 1:27
